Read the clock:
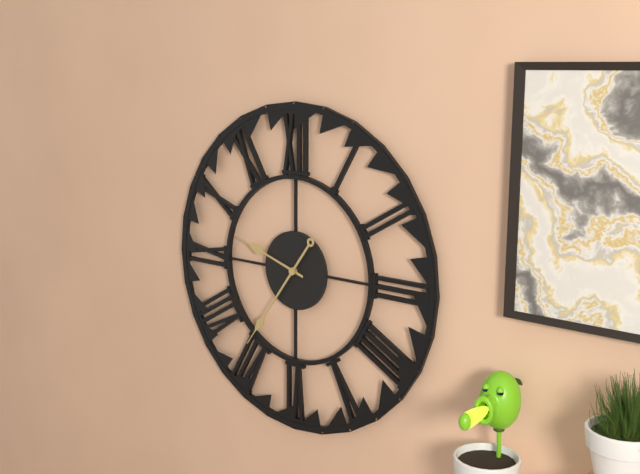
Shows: 9:36
